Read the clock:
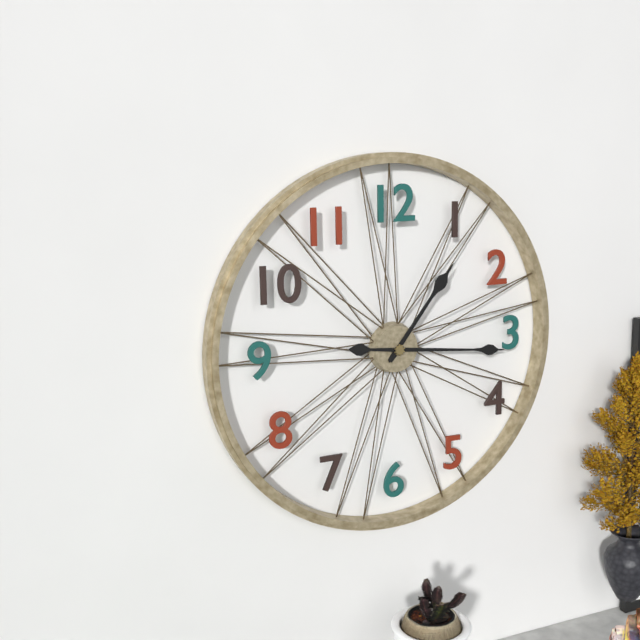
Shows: 1:16
